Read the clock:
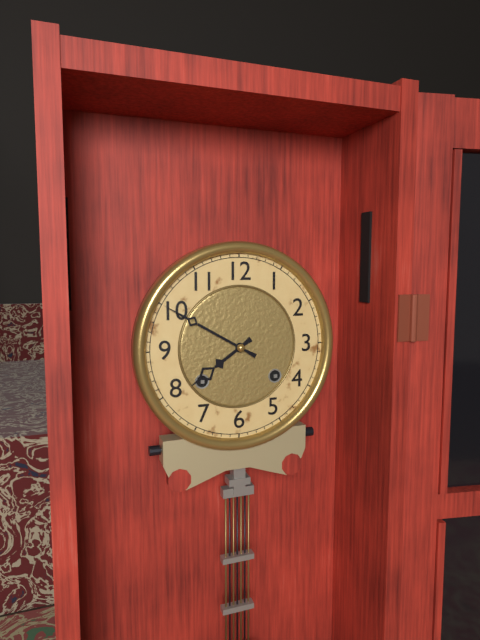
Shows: 7:50
